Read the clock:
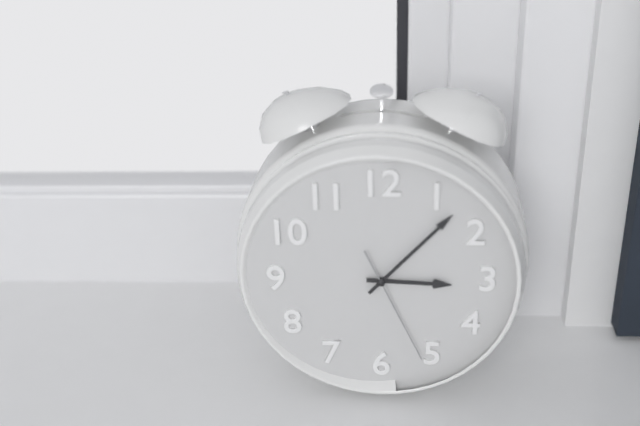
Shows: 3:07:26
